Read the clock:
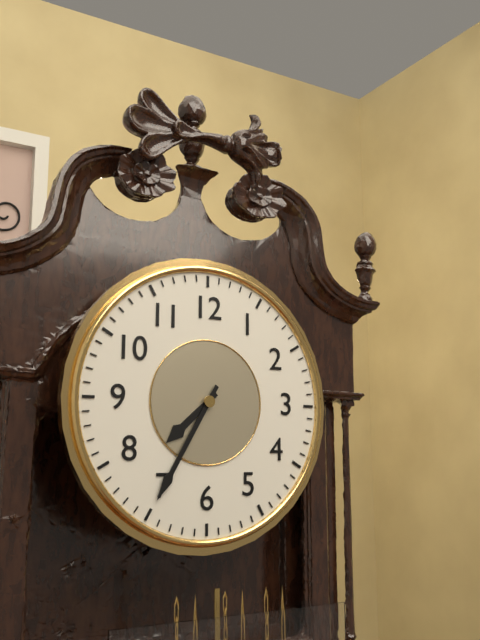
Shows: 7:35
